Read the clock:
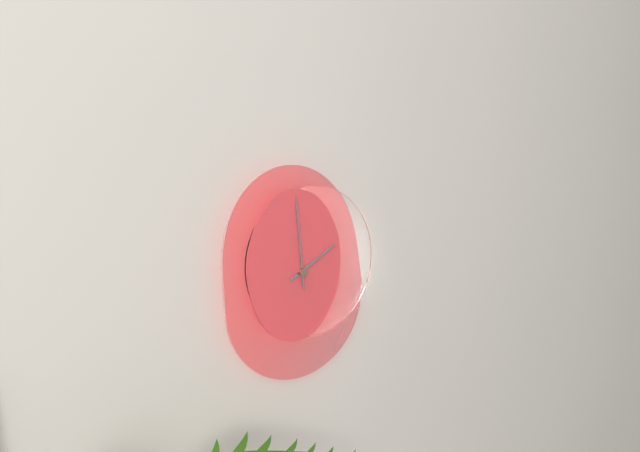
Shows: 1:59:59
